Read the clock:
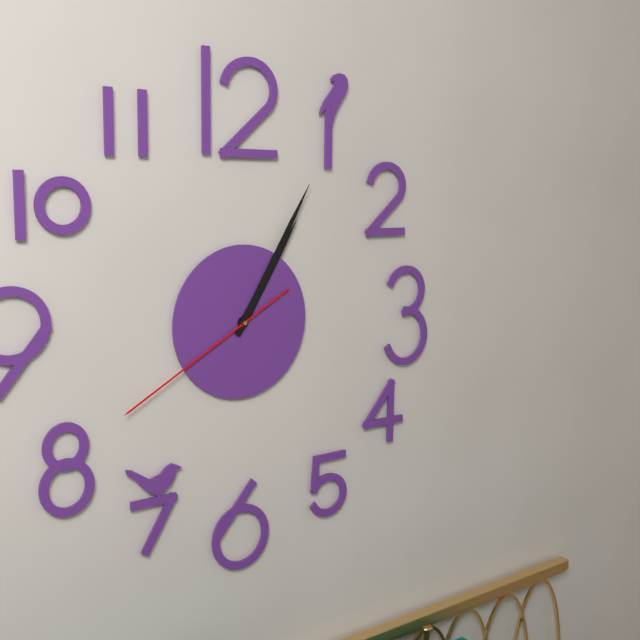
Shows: 1:05:40
